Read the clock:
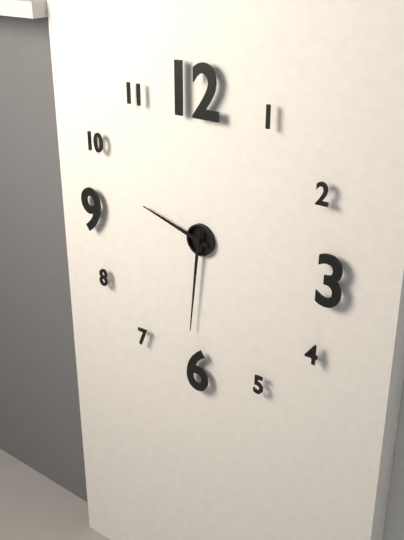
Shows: 9:31
